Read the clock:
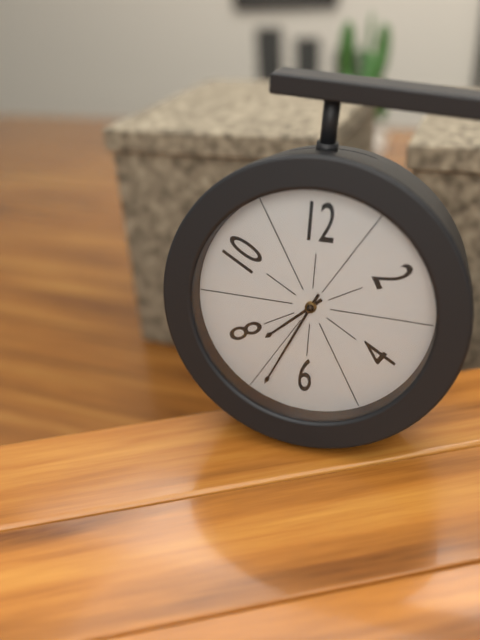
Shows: 7:34
